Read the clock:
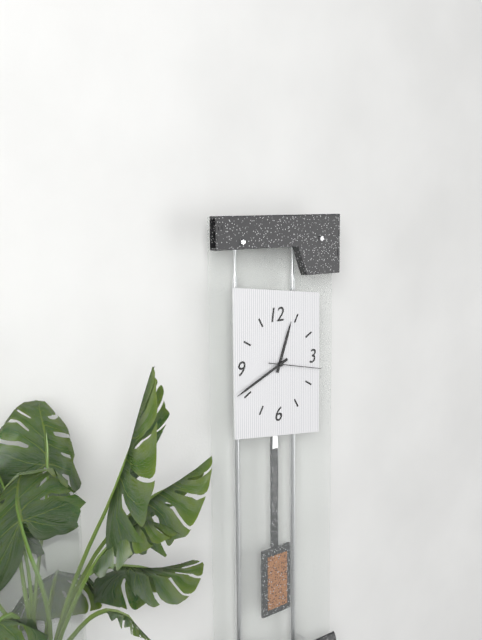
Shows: 12:41:17
